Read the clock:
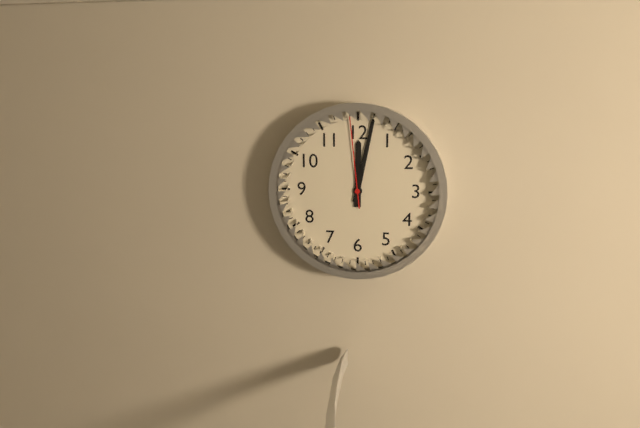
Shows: 12:02:59
